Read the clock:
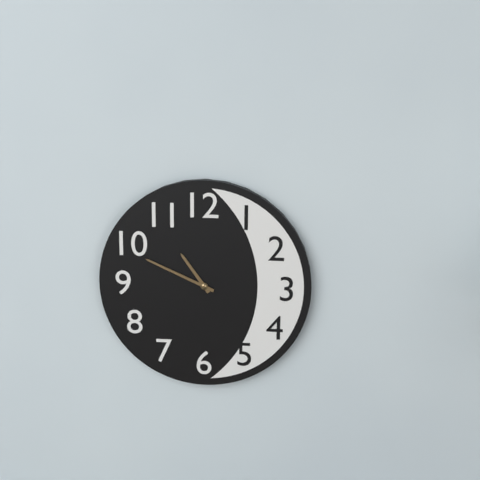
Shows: 10:49
